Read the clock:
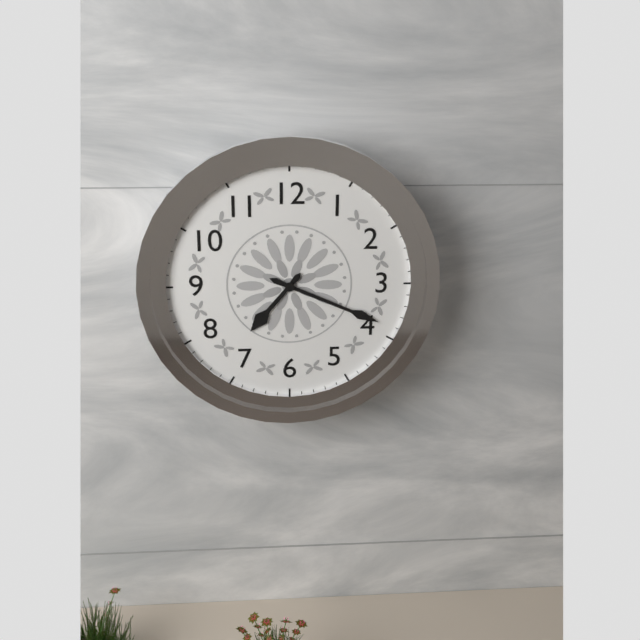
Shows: 7:19
